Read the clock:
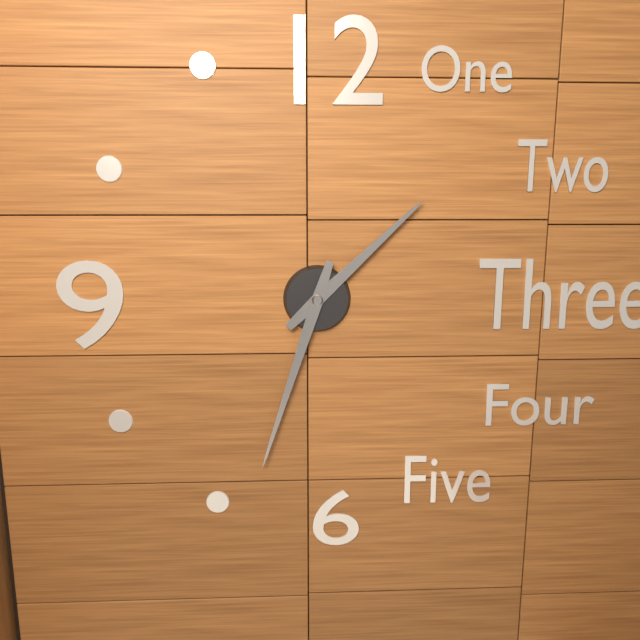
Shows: 1:33
